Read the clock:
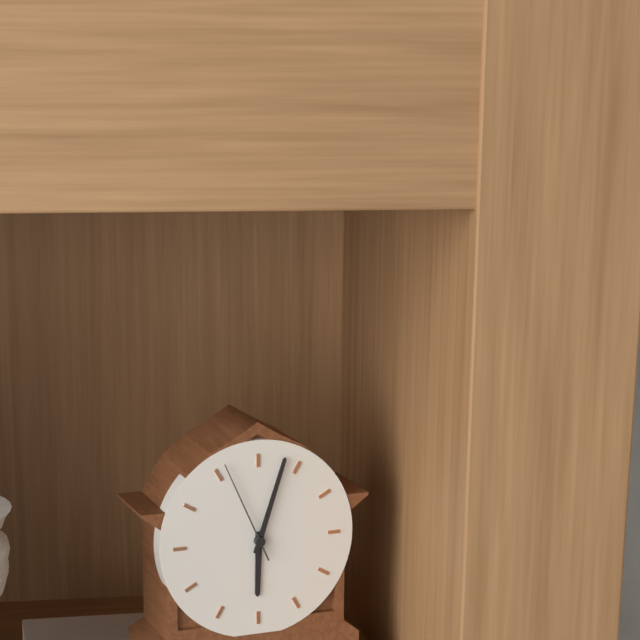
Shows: 6:03:56
